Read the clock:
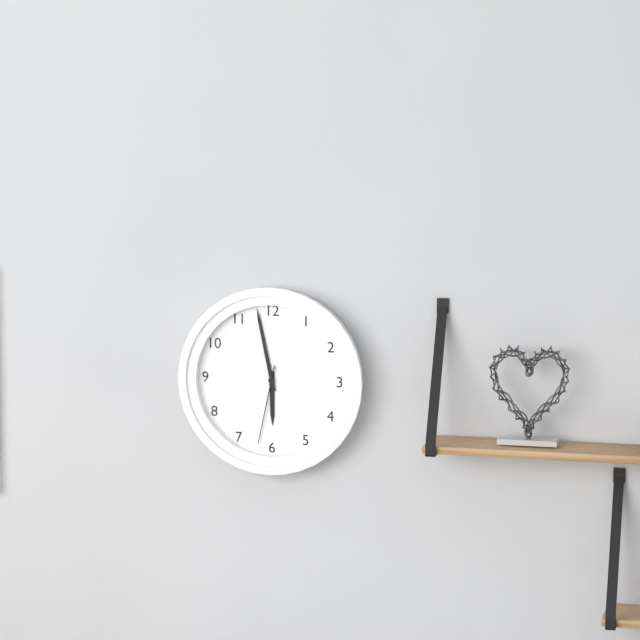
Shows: 5:58:32
